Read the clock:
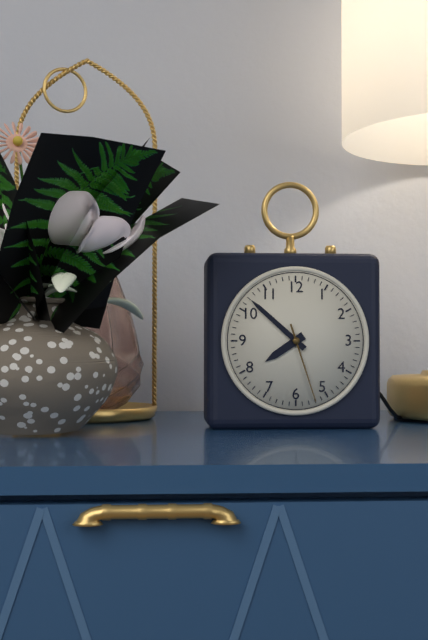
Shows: 7:52:27
